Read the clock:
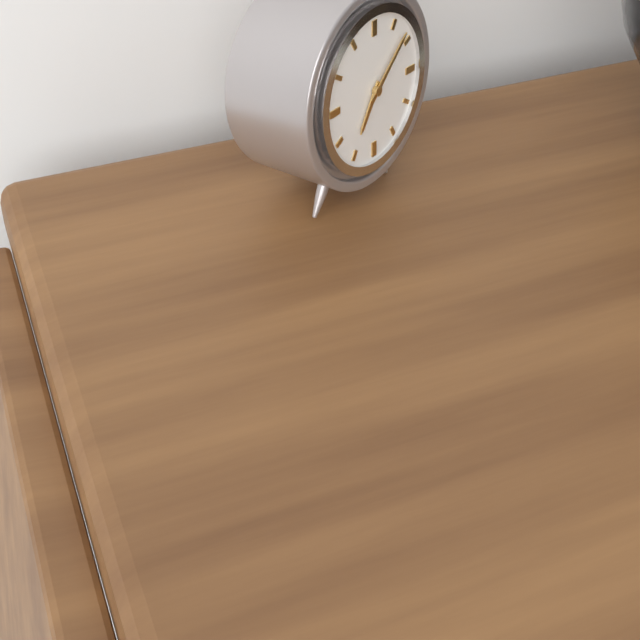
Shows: 7:08
